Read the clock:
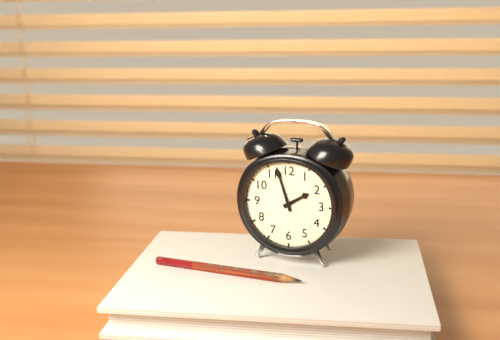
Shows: 1:57
